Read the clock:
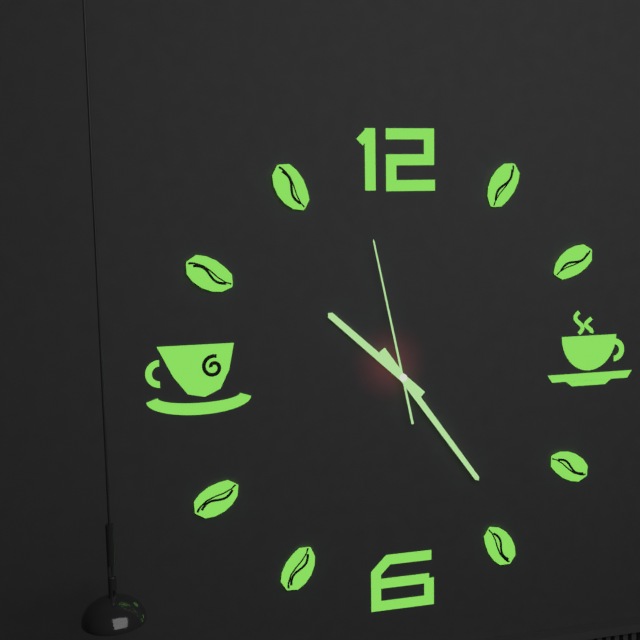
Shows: 10:24:58
